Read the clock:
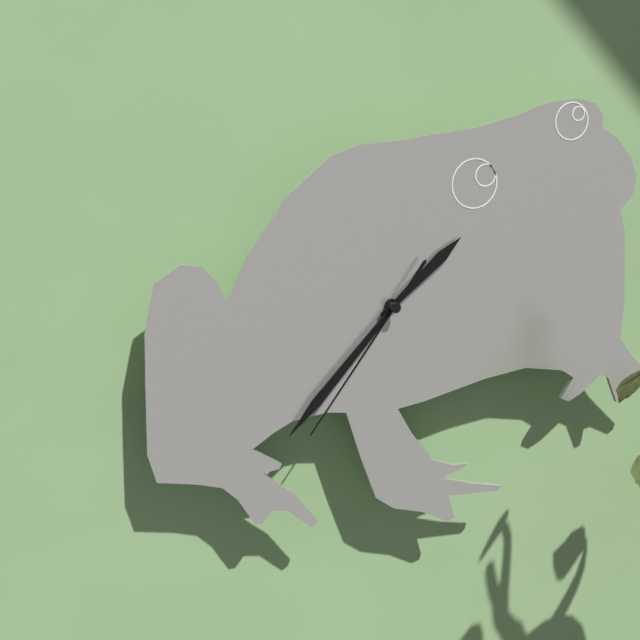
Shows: 1:37:36
